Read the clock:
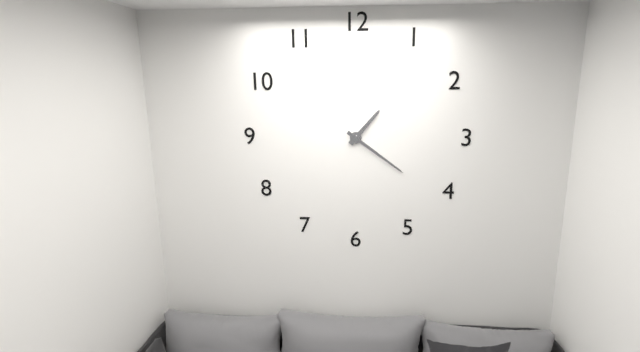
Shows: 1:21
